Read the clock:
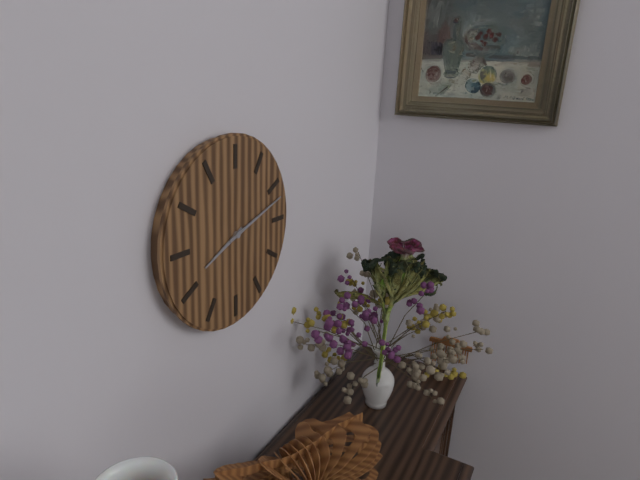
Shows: 8:12
